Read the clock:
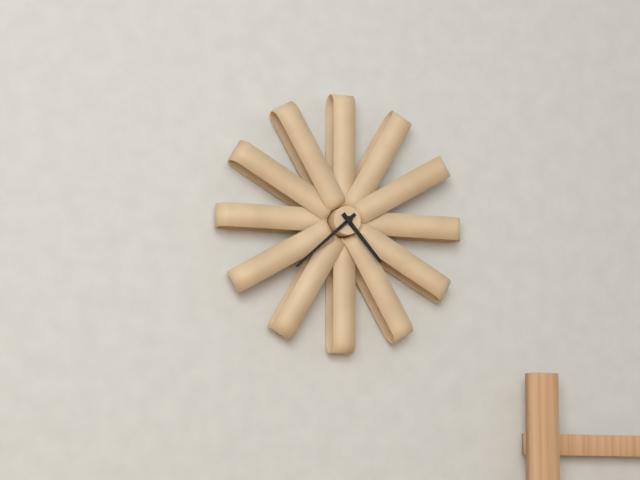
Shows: 4:38
